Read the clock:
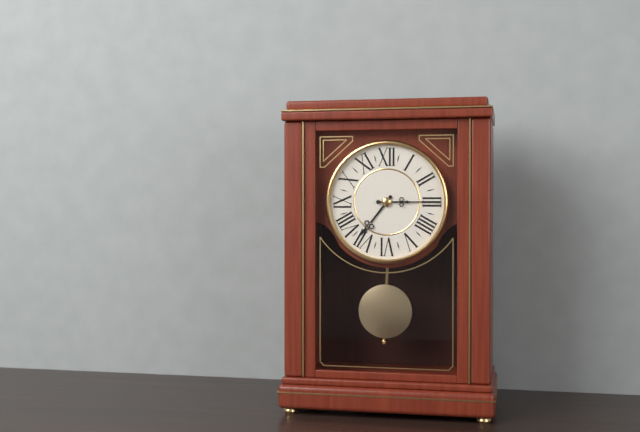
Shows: 7:15
